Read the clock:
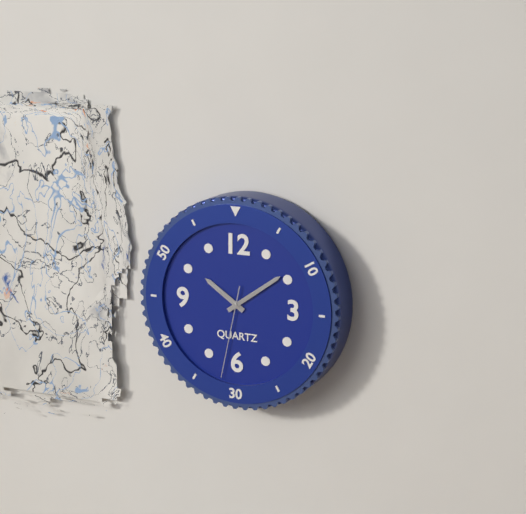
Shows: 10:09:32
